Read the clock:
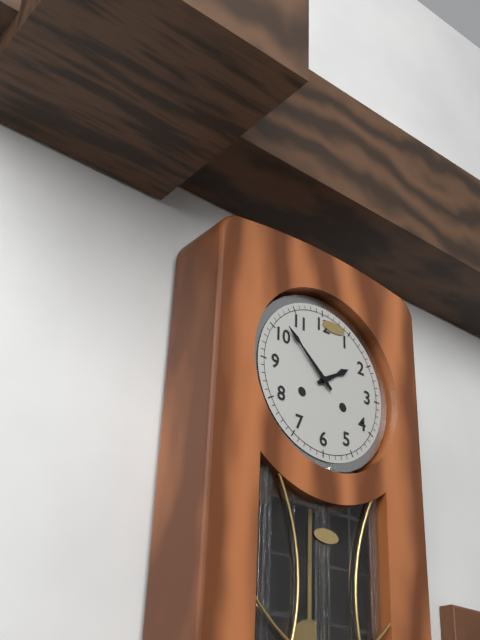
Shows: 1:52
